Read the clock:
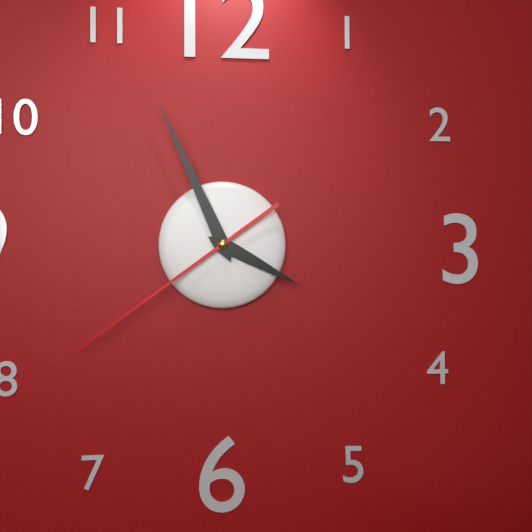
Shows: 3:56:39
